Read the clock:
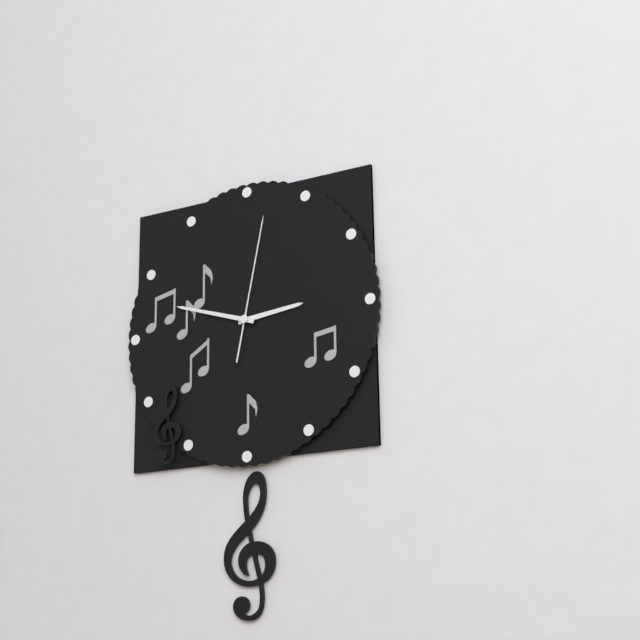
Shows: 2:48:02
